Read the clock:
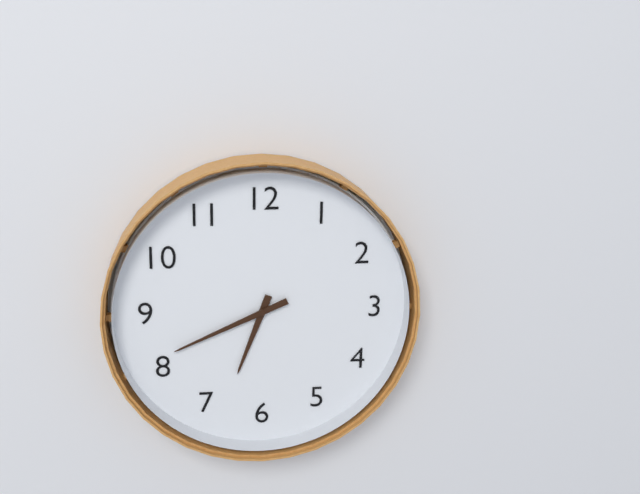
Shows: 6:41
